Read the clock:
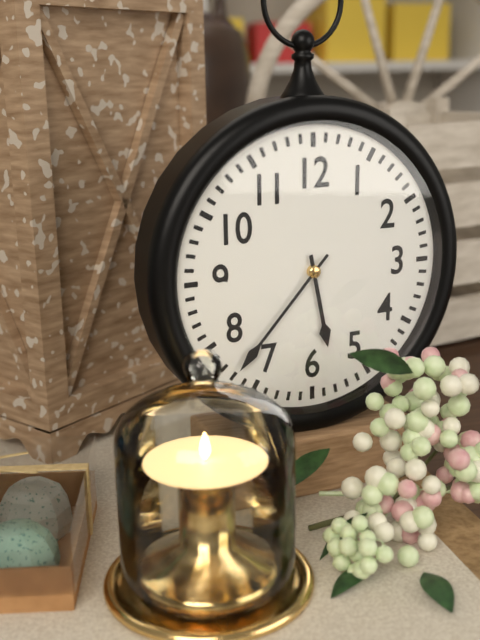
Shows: 5:37
